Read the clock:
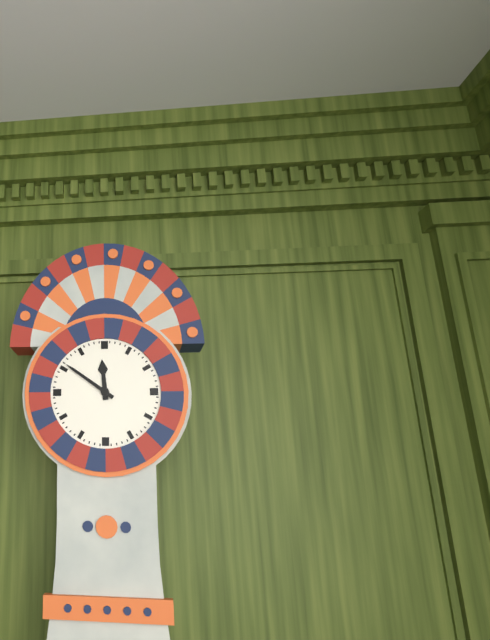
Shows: 11:51
